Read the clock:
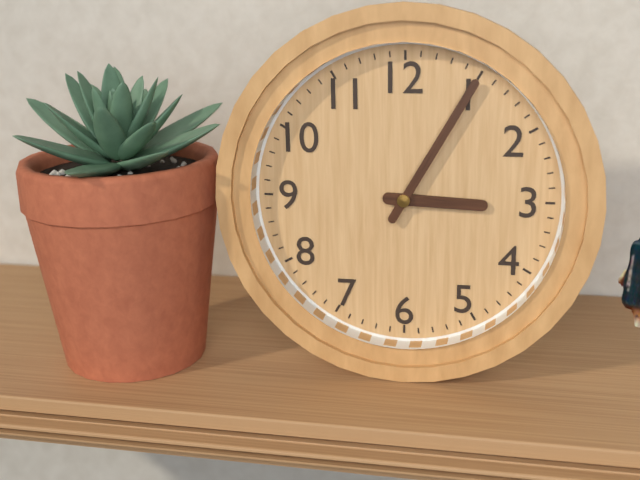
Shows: 3:05
